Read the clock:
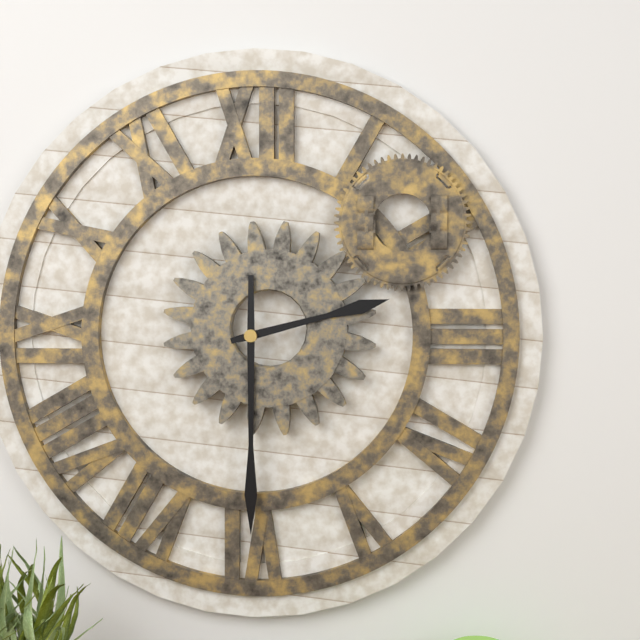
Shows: 2:30
